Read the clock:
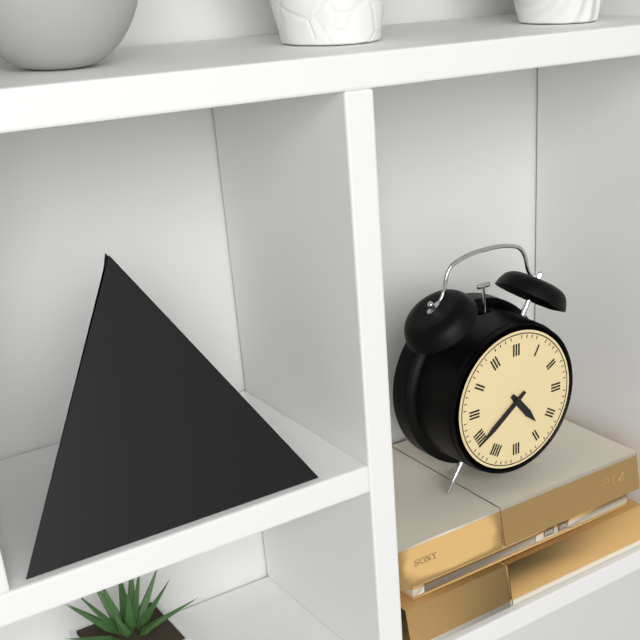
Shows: 4:39
